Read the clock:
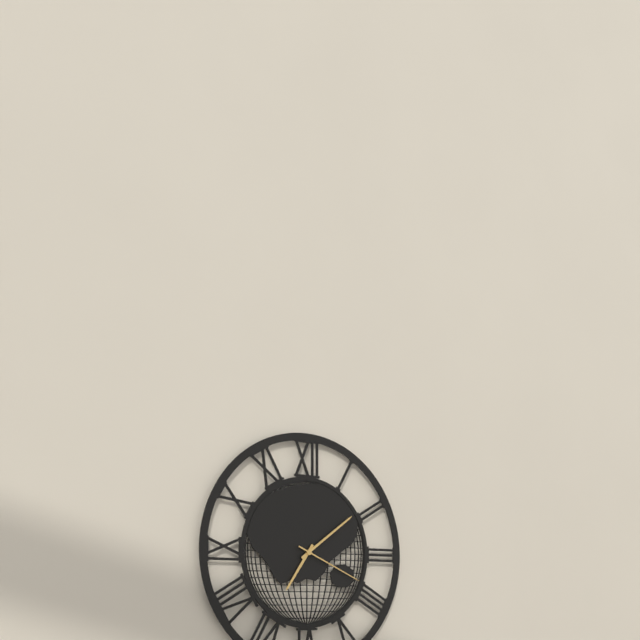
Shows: 7:09:19
